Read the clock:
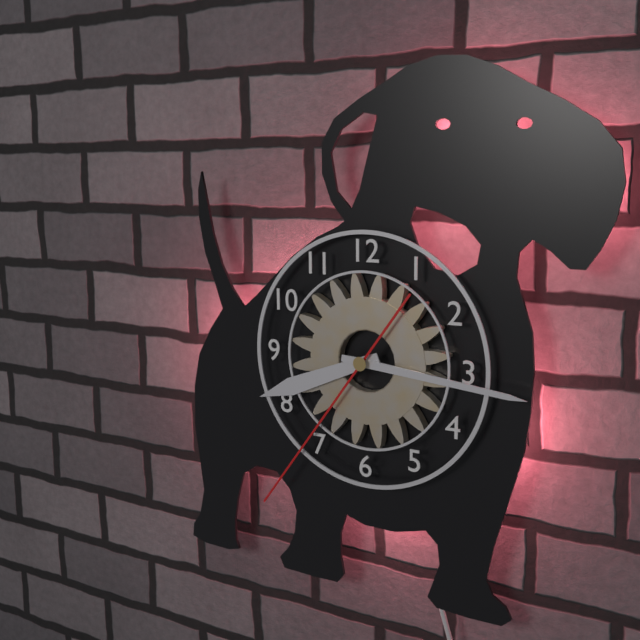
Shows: 8:16:36
